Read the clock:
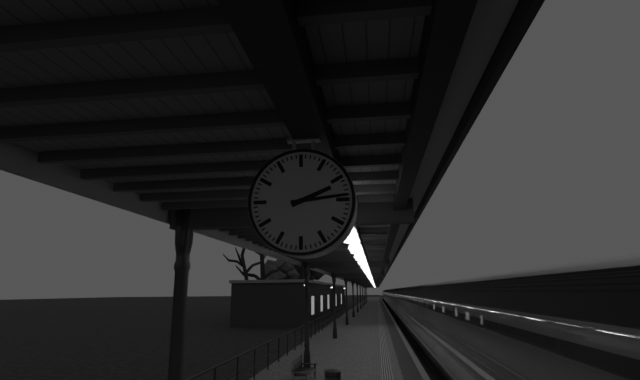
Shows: 2:14
